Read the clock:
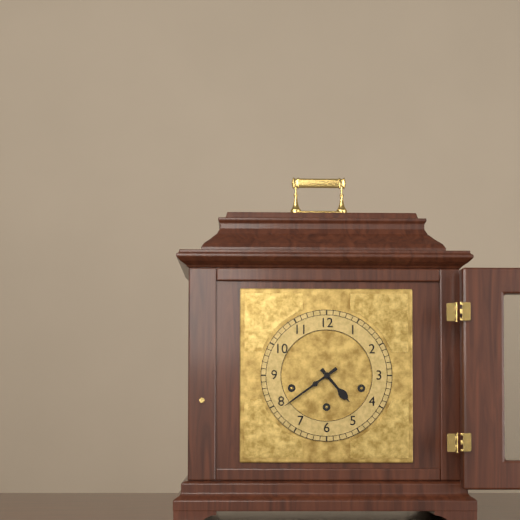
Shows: 4:39
